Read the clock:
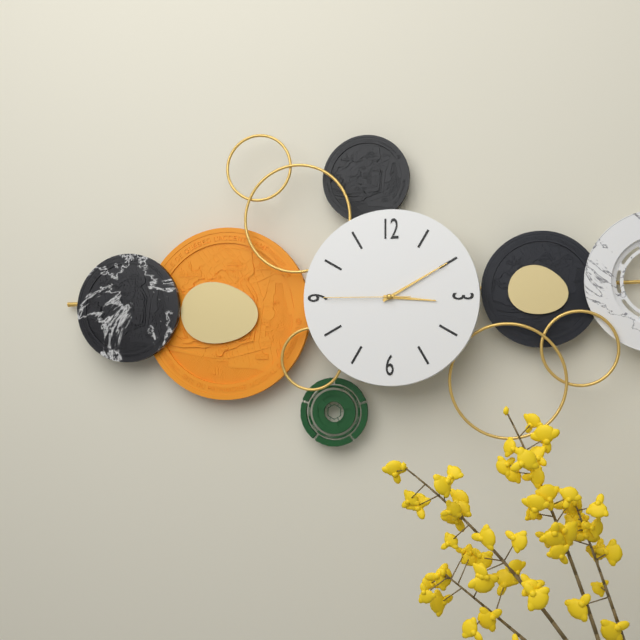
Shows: 3:10:45
